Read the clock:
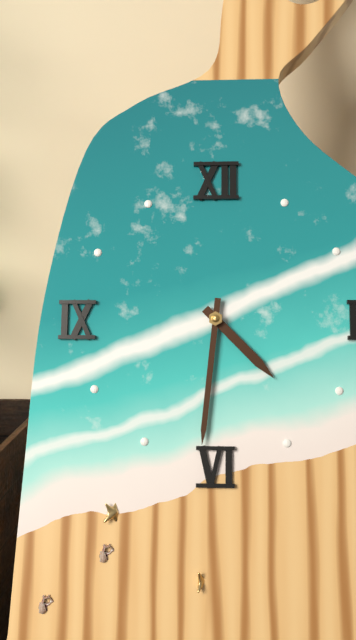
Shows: 4:31
